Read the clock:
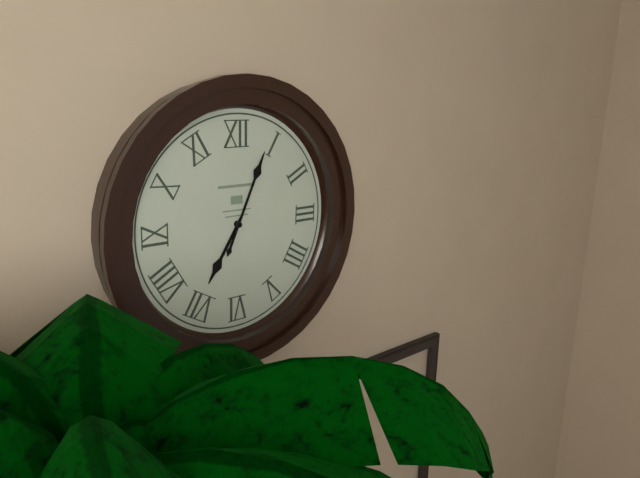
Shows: 7:04
